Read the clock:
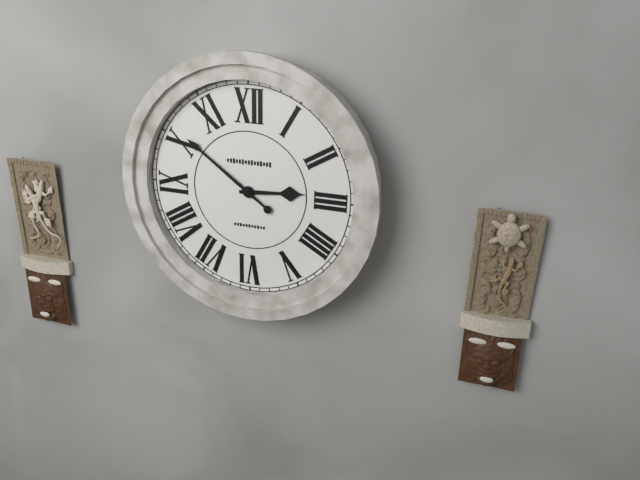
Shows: 2:51
